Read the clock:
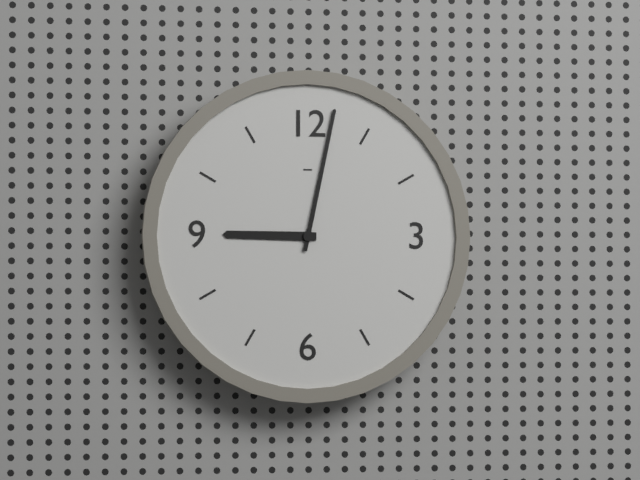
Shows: 9:02
